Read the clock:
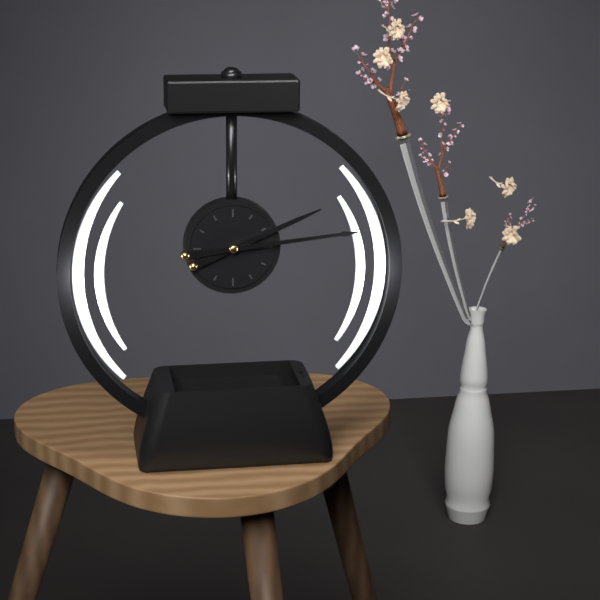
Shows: 2:14
